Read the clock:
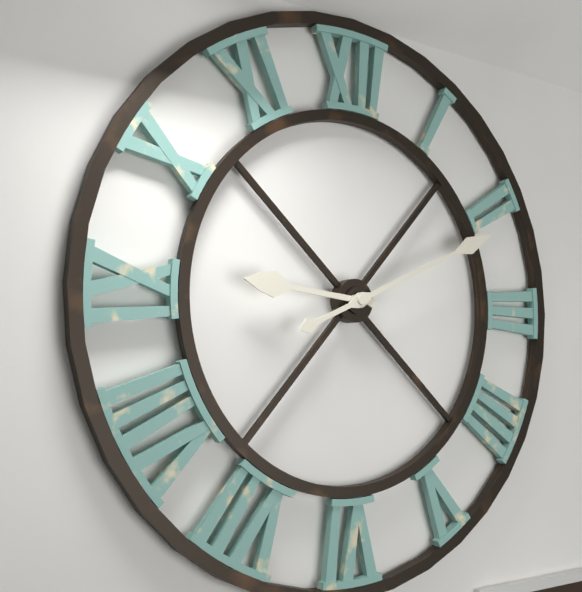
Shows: 9:11
